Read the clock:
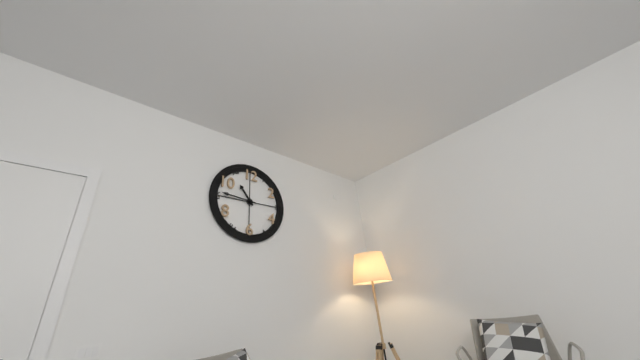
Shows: 10:46
